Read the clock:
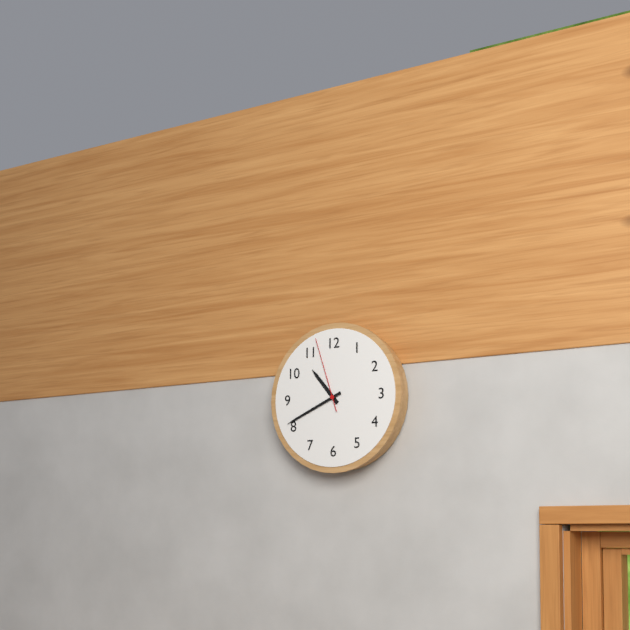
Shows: 10:41:57
